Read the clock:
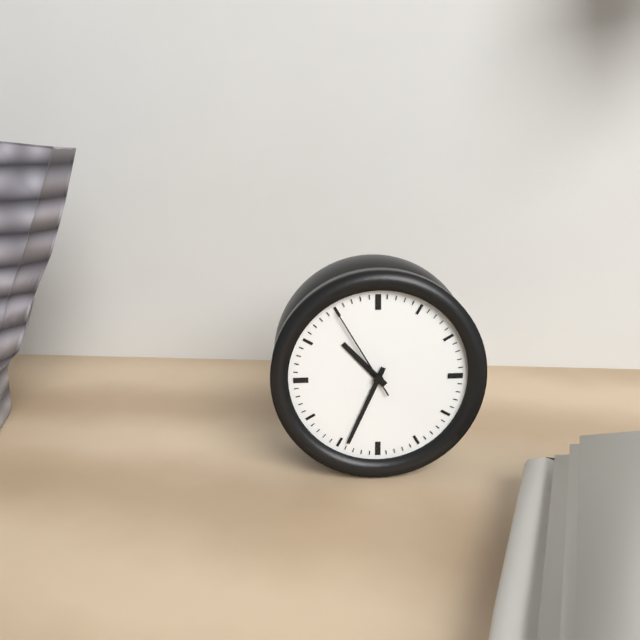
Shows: 10:34:55
